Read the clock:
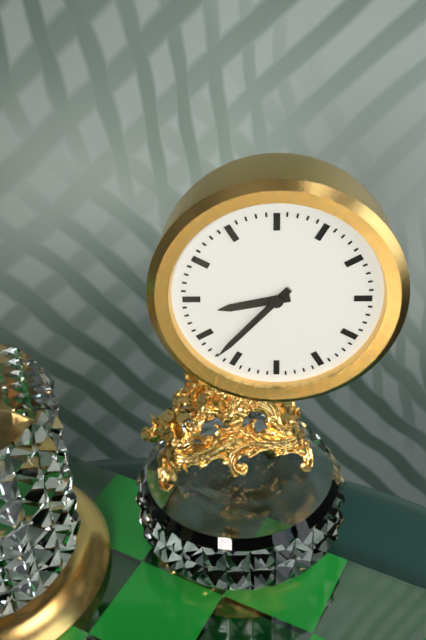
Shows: 8:37
